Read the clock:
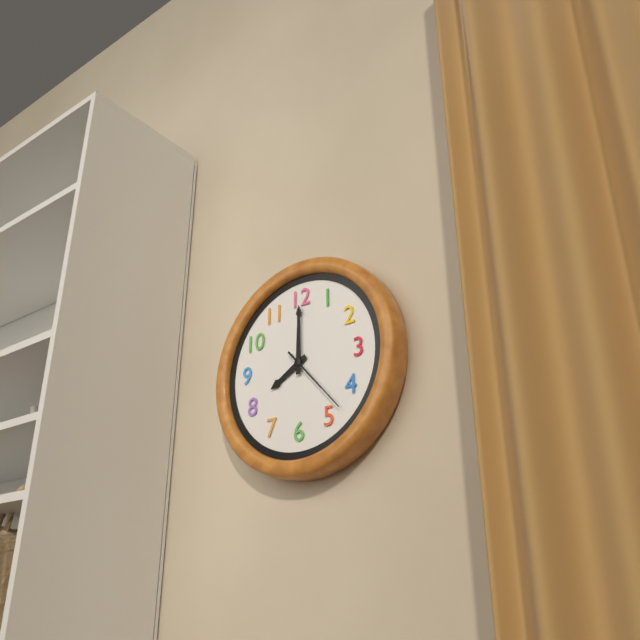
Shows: 8:00:23
